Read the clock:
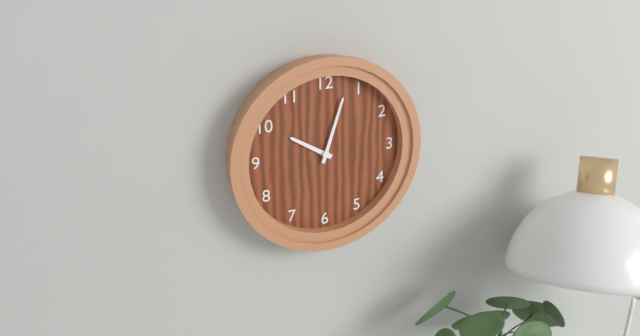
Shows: 10:03
